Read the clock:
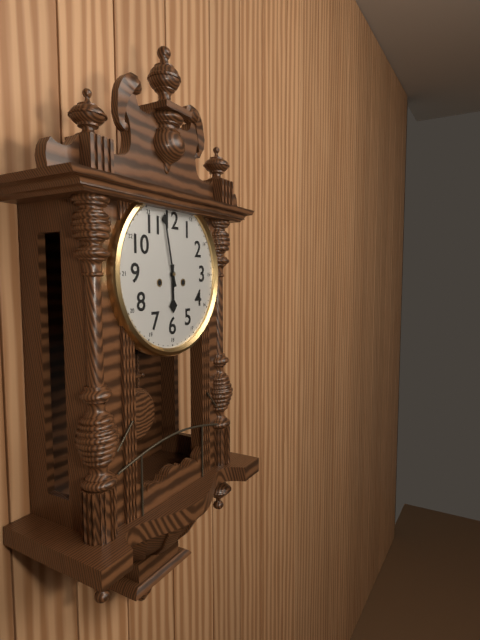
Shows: 5:58
